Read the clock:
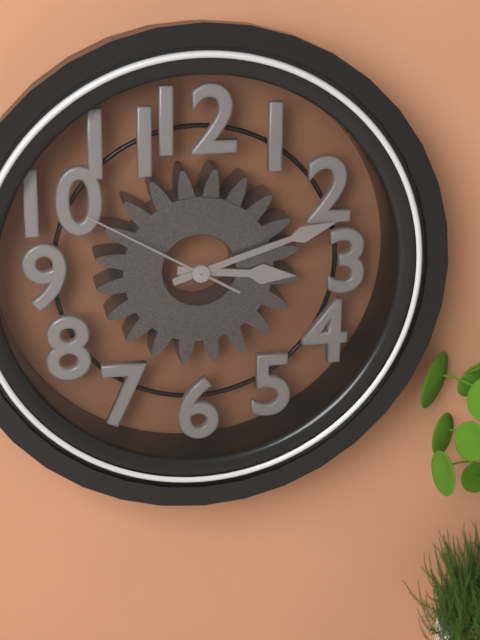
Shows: 3:12:50
